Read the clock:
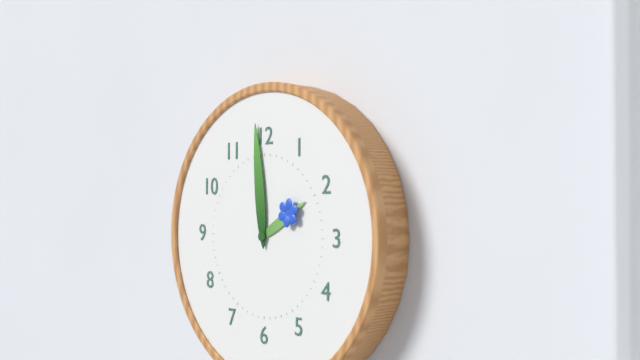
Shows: 1:59
